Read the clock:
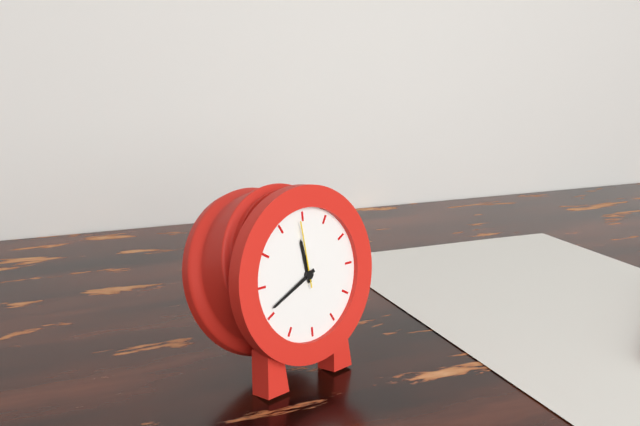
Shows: 11:41:59
